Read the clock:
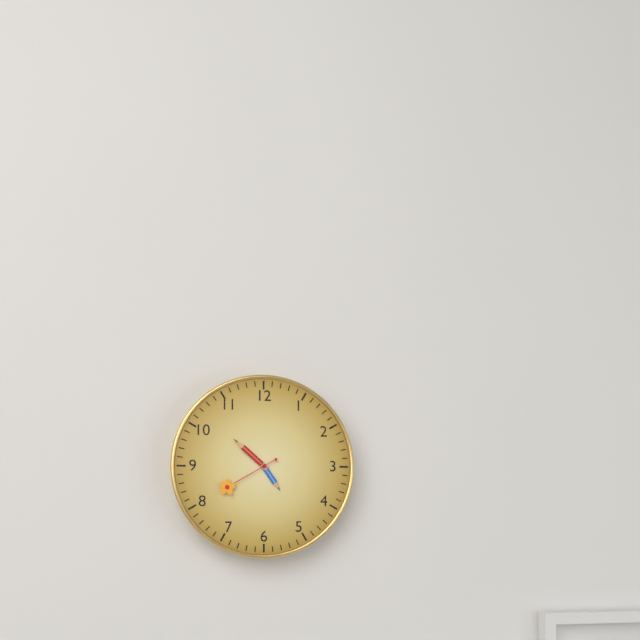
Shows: 4:52:40
